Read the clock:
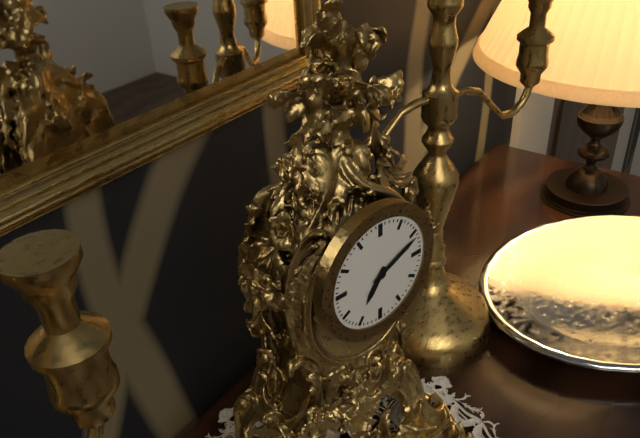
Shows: 7:11
